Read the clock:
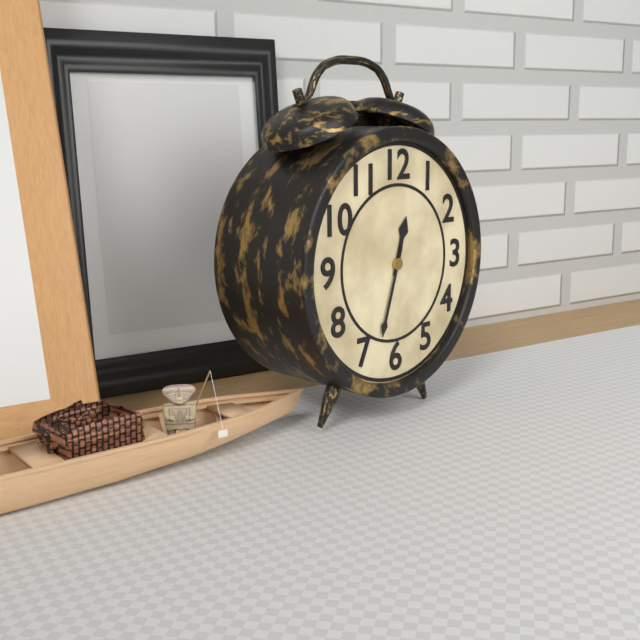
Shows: 12:33
